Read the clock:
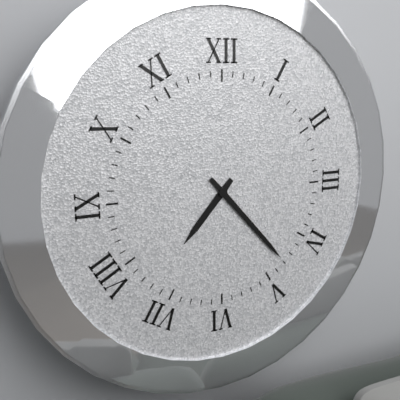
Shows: 7:23
